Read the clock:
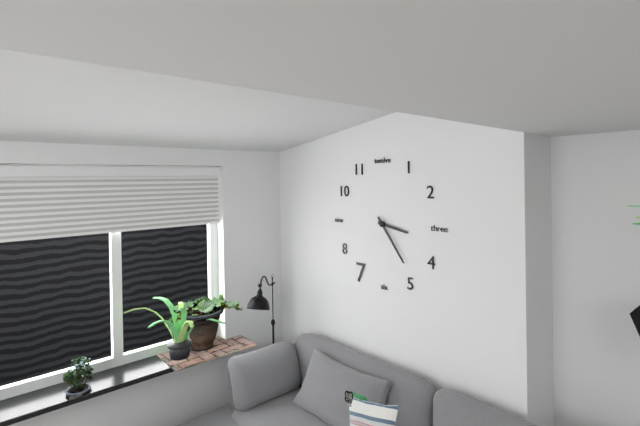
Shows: 3:24
